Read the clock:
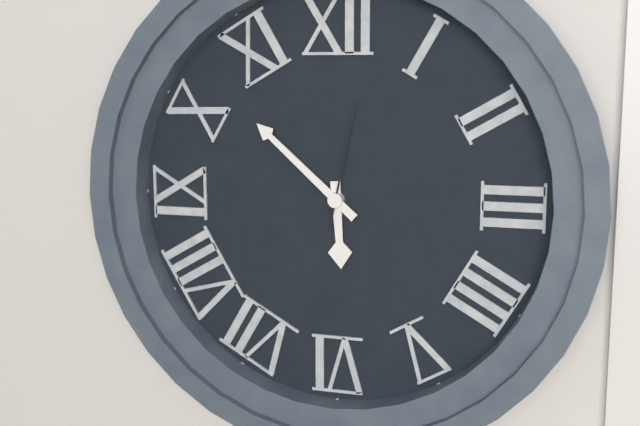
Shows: 5:52:02
